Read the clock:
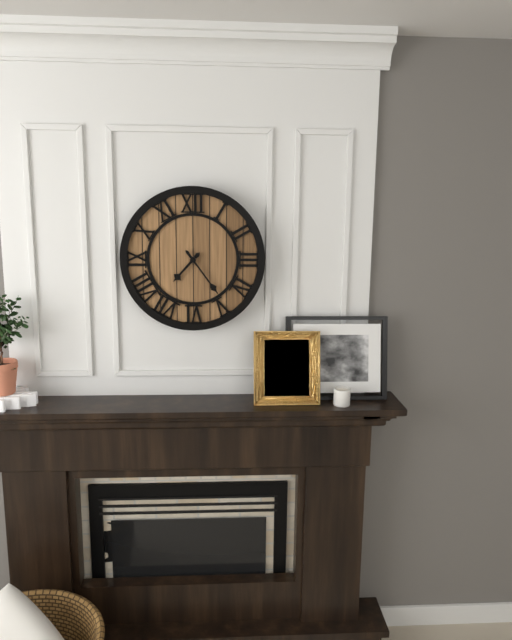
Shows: 7:24
